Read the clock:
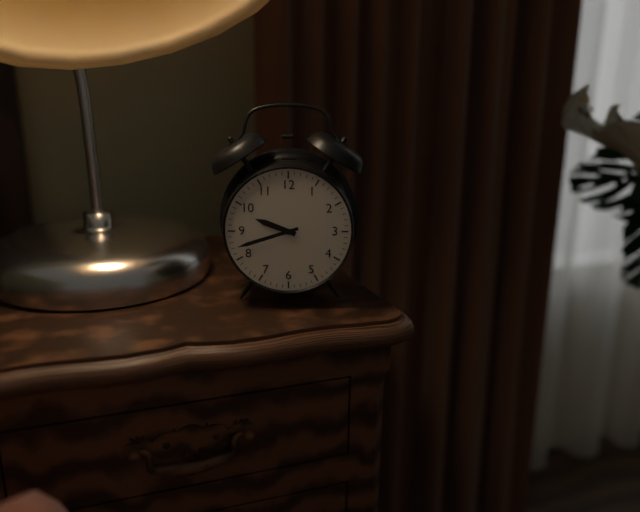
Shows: 9:42
